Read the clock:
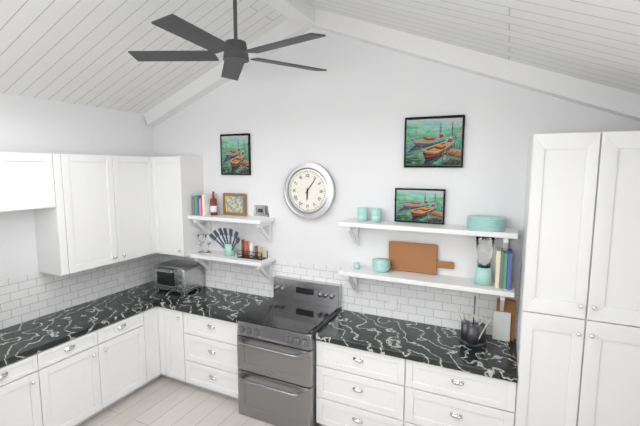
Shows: 6:06
